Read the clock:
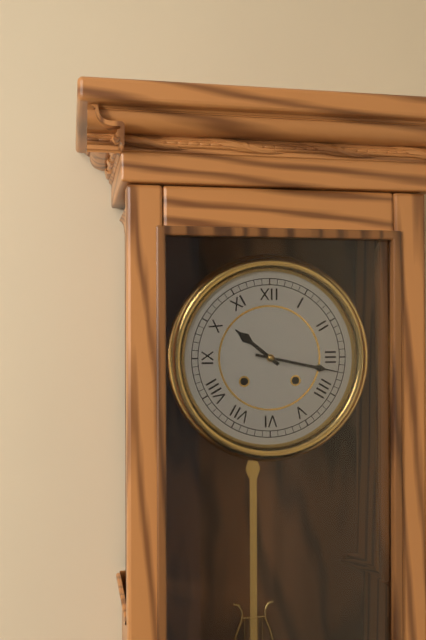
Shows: 10:17
